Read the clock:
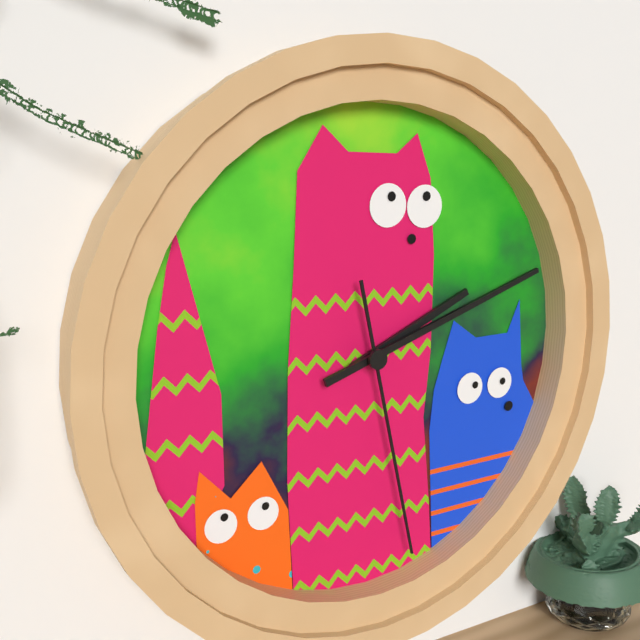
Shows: 2:12:28
